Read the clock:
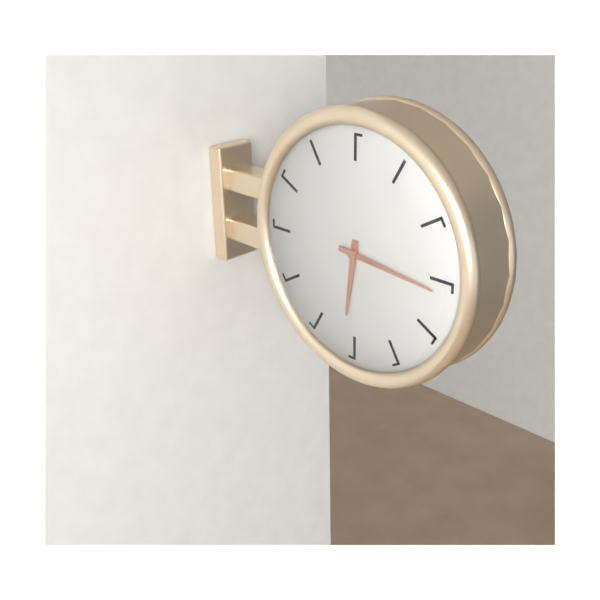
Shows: 6:16
